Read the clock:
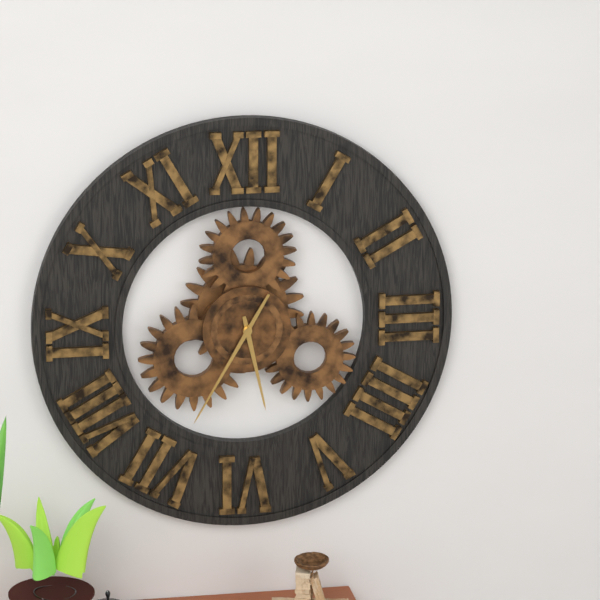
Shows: 5:35
